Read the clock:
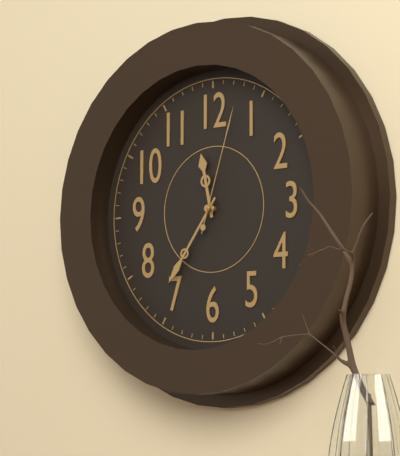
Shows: 11:36:03
